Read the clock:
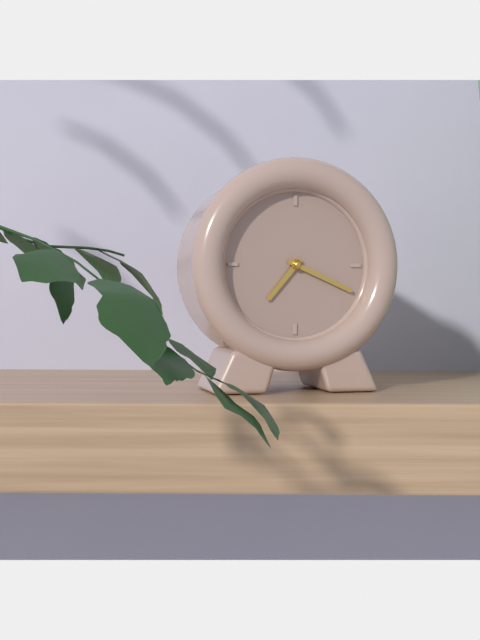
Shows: 7:19
